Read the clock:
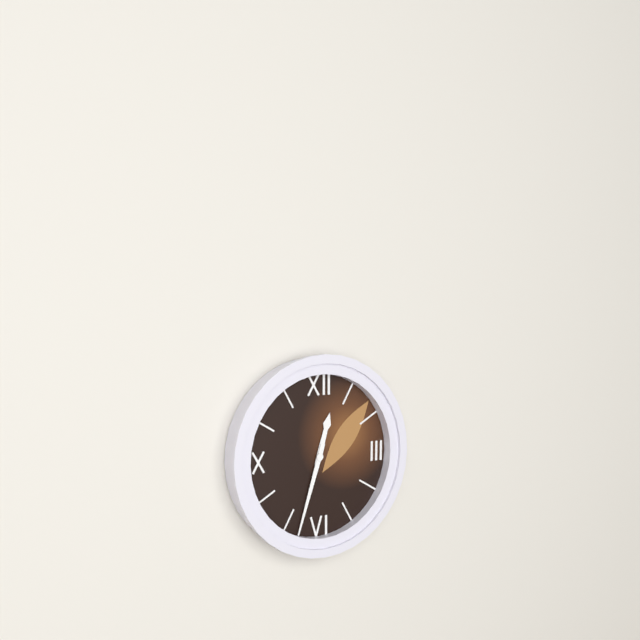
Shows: 12:33
